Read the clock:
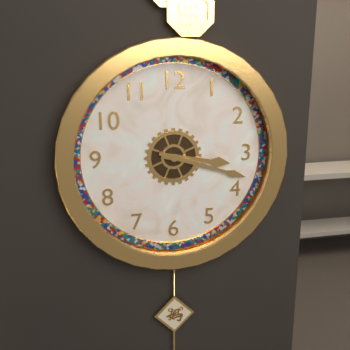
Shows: 3:18
